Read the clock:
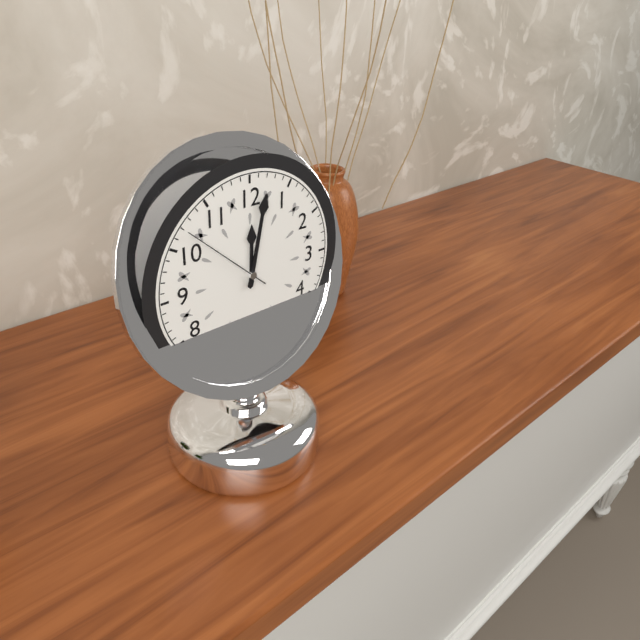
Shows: 12:02:52
